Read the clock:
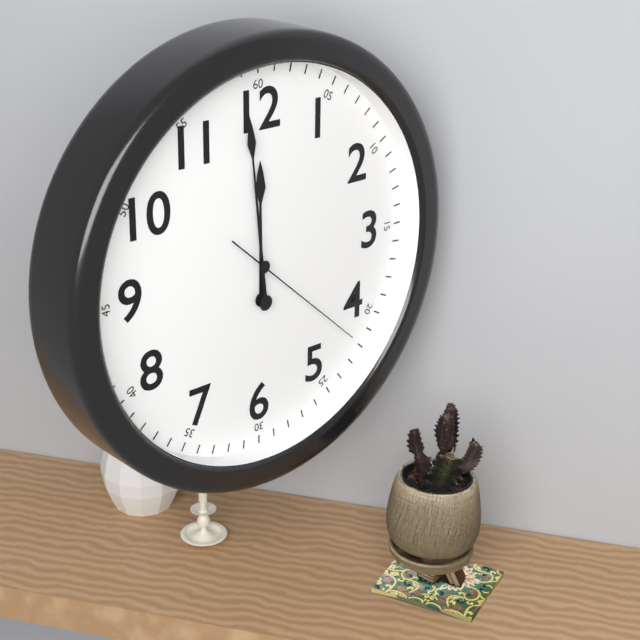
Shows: 11:59:22
